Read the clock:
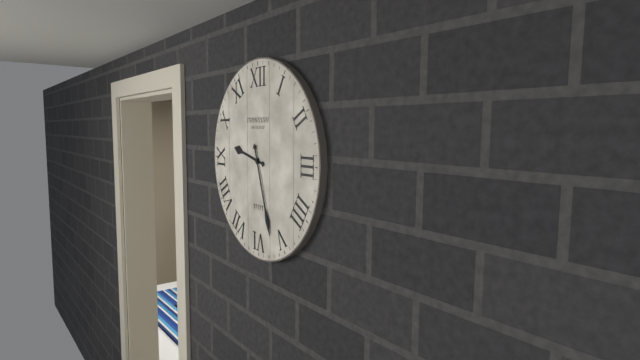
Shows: 9:27
